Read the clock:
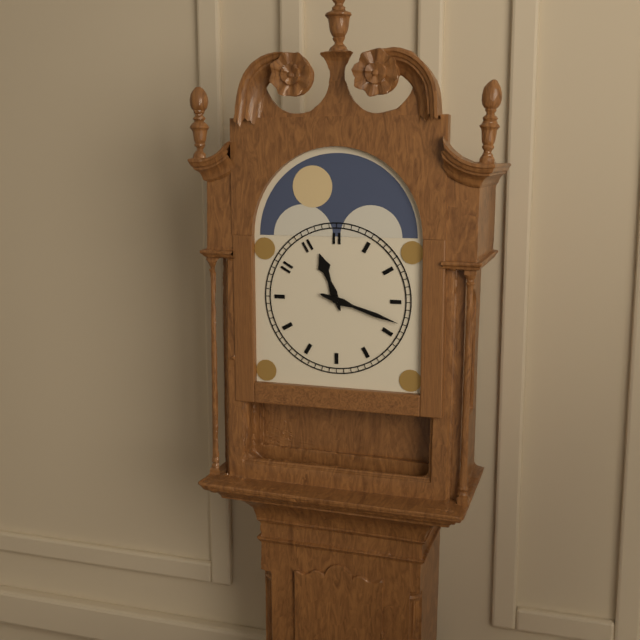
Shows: 11:18
